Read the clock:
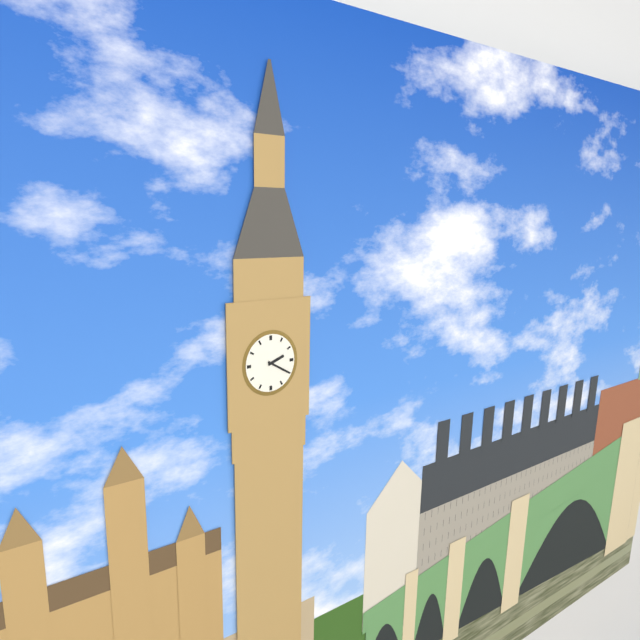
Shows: 2:20
